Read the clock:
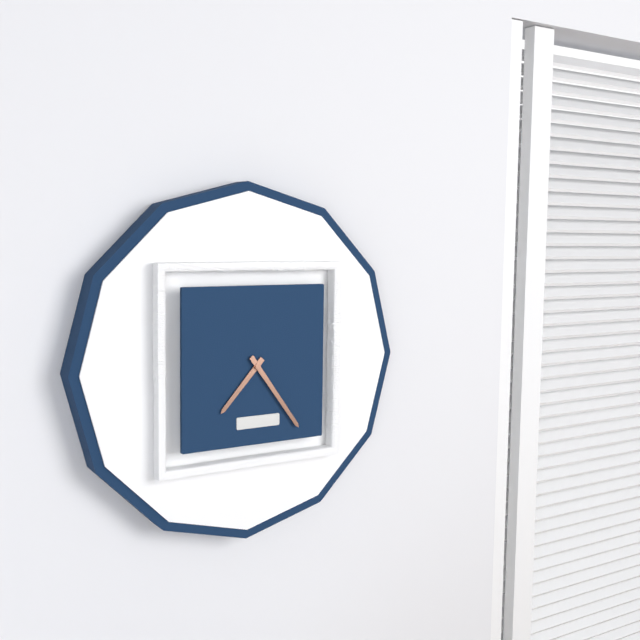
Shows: 7:24
